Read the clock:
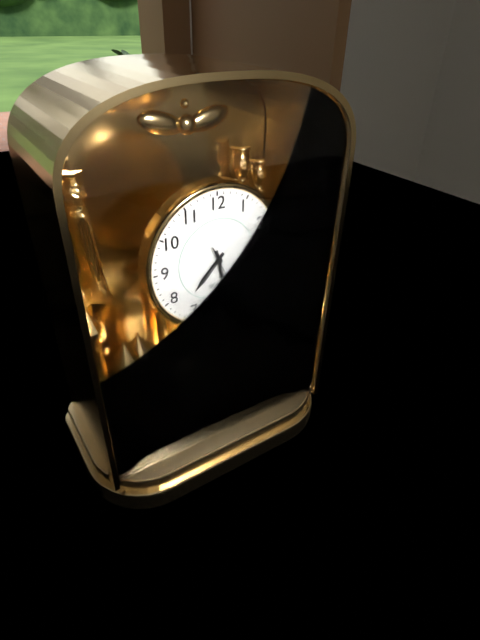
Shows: 7:28:26
